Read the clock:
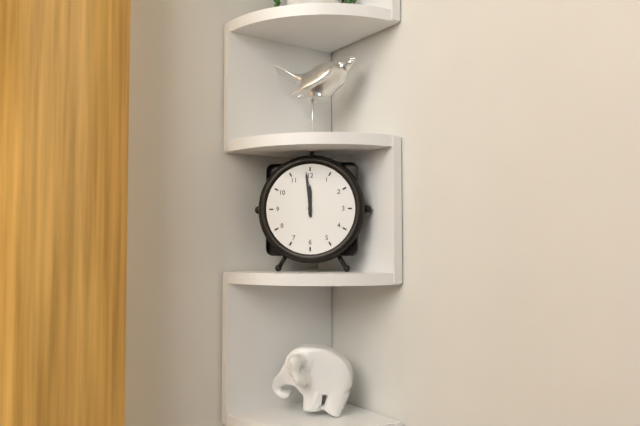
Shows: 11:59
